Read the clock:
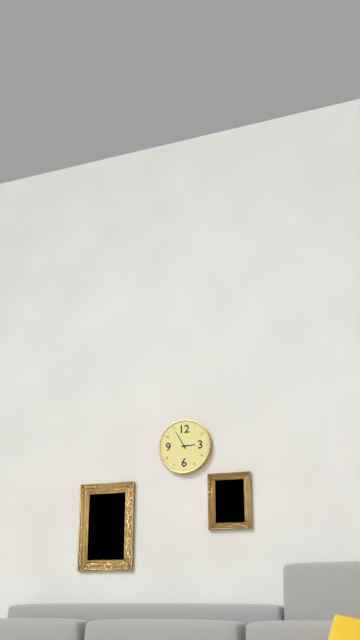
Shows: 2:55
